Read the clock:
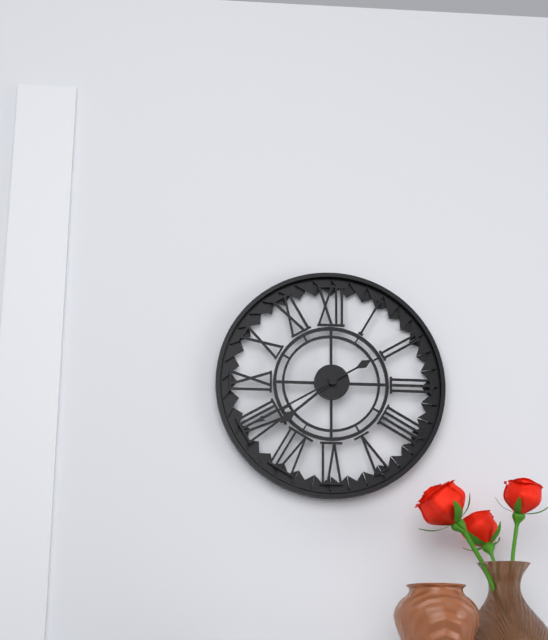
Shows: 7:40
